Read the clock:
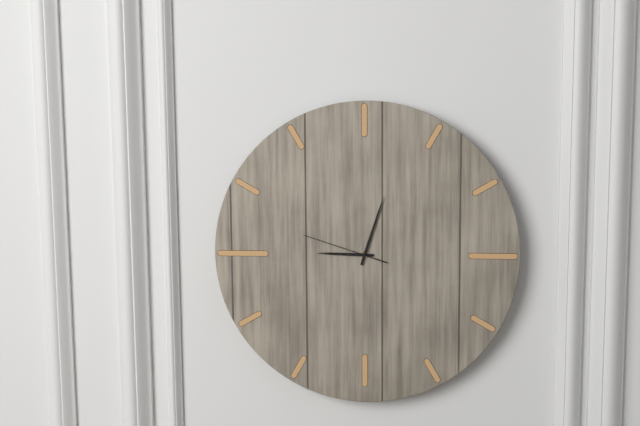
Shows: 9:03:48
